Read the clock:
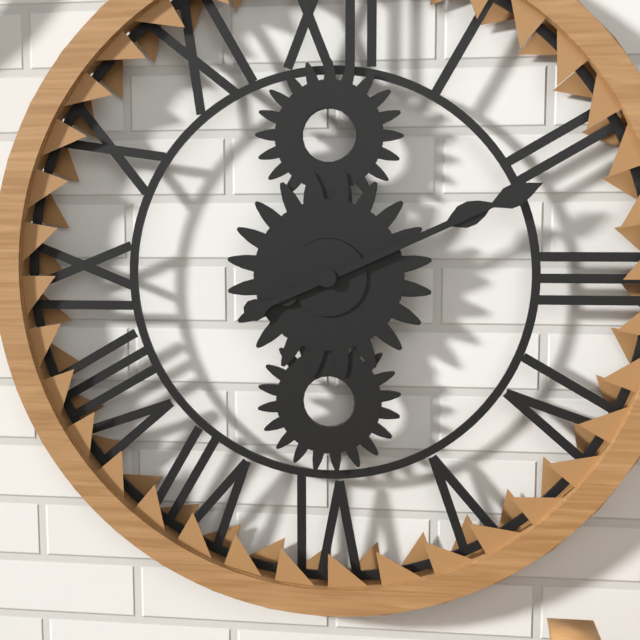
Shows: 2:11
